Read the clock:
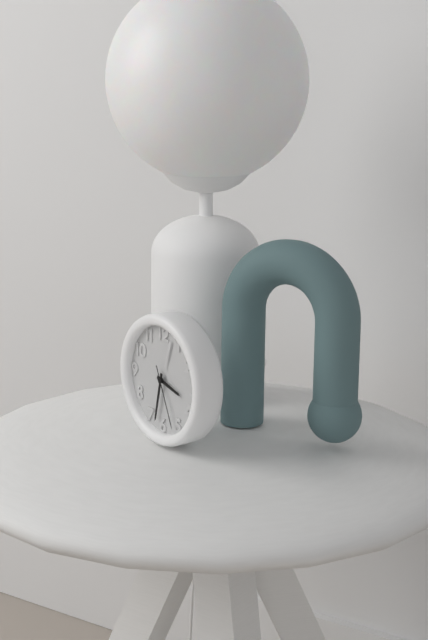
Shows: 3:32:26
